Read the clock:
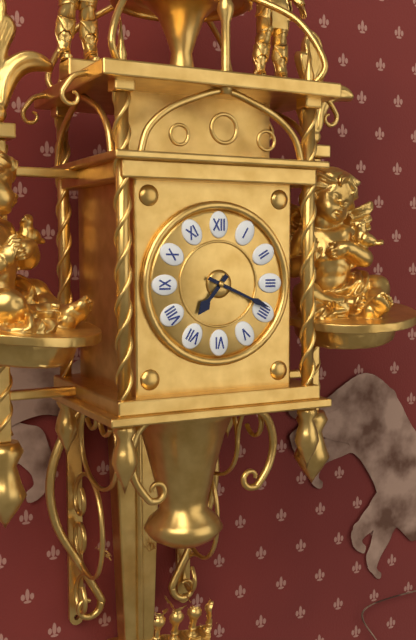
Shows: 7:19
